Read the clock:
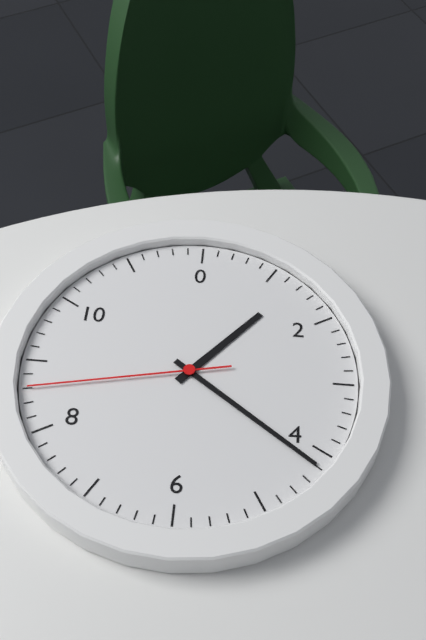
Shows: 1:21:43
